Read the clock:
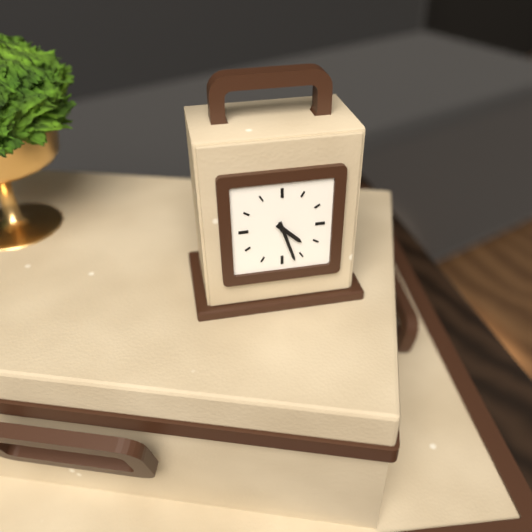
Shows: 4:27
